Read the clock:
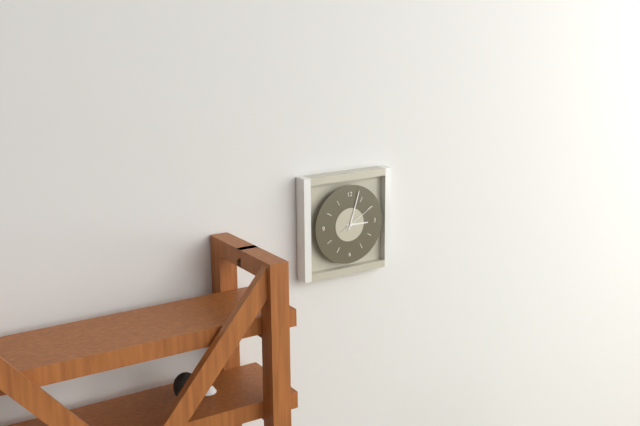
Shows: 3:03
